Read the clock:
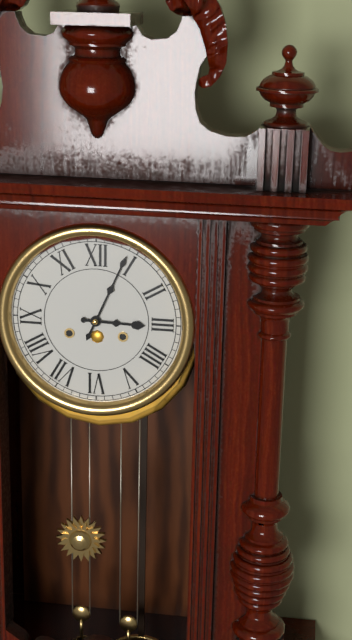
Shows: 3:04
